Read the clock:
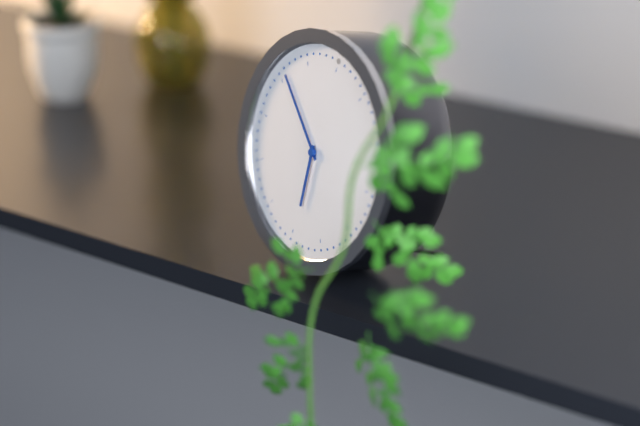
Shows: 5:51
